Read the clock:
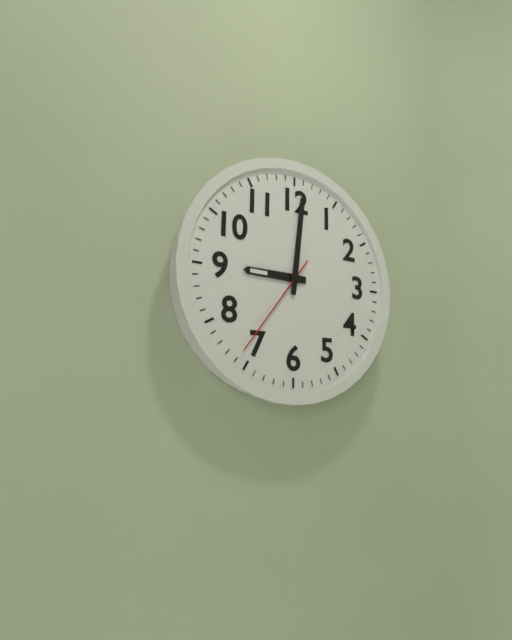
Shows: 9:01:36
